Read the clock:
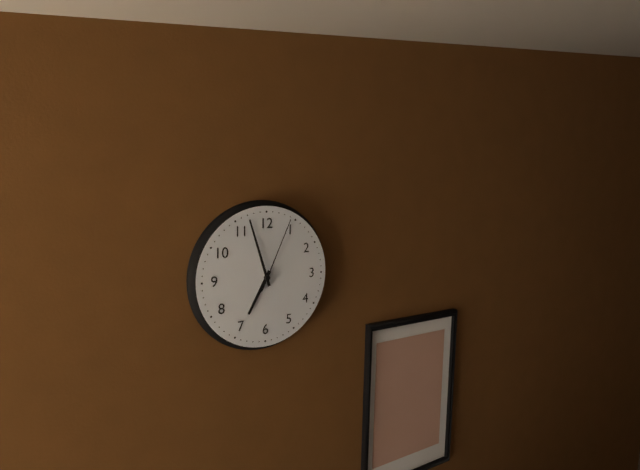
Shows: 6:57:04
